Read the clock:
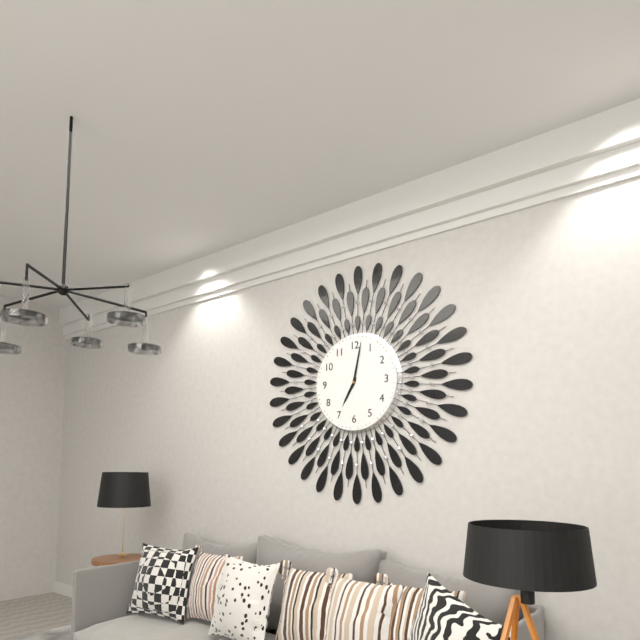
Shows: 7:02
